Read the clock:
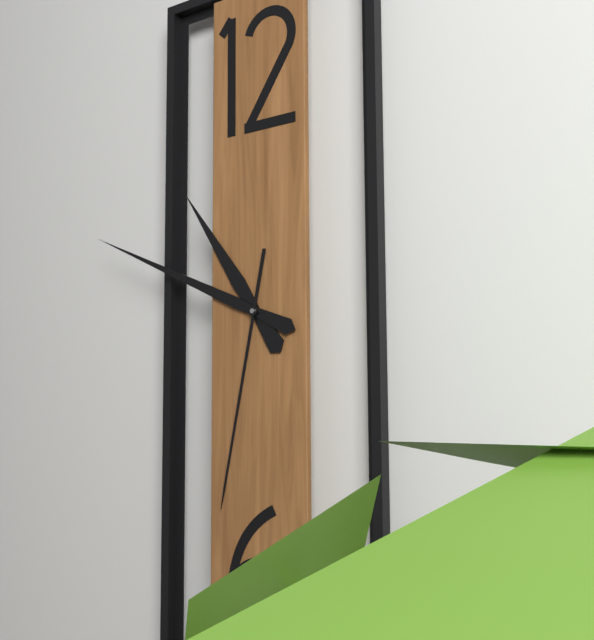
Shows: 10:49:32
